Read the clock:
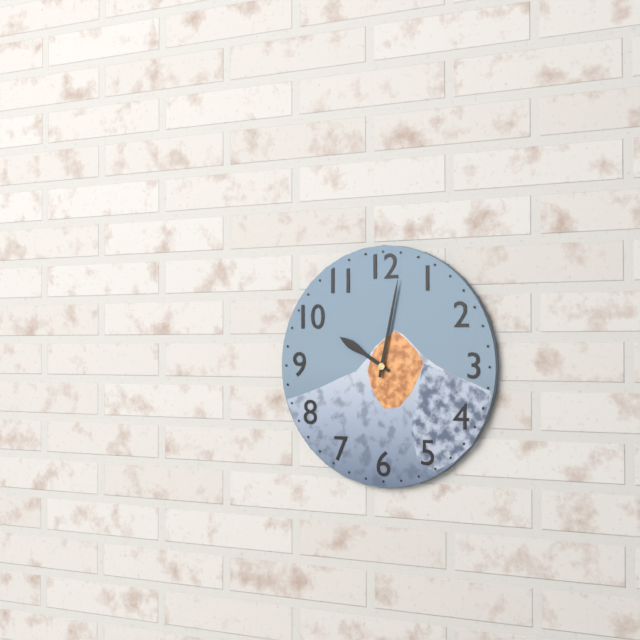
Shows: 10:02
